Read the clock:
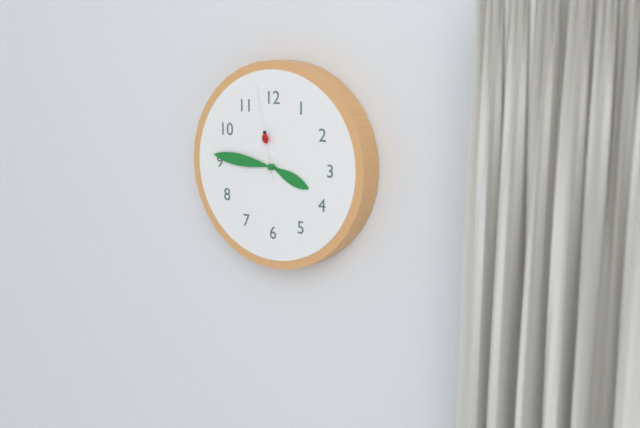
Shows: 3:46:58
